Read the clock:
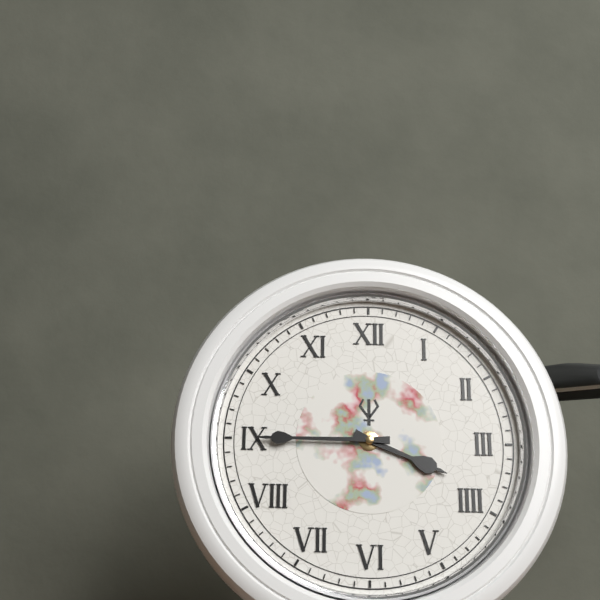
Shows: 3:45
